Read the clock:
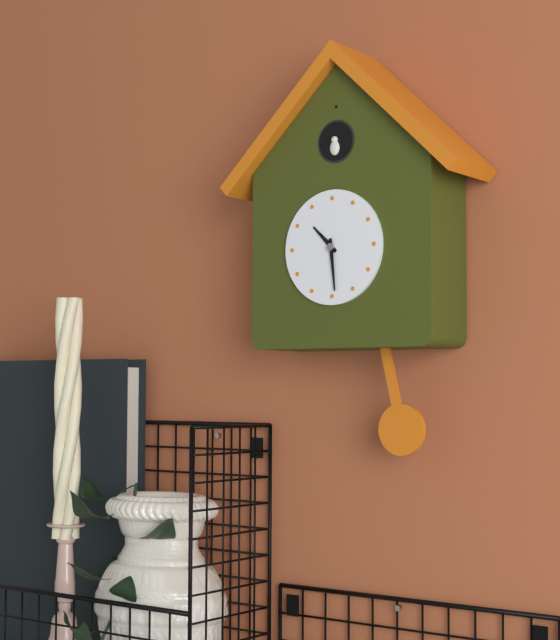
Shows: 10:29
